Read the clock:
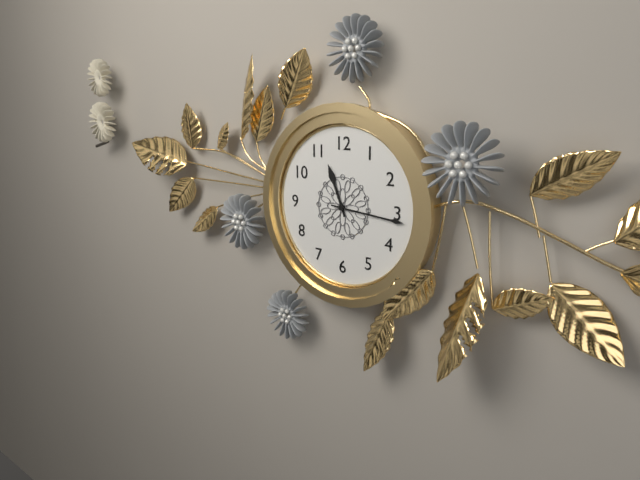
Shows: 11:16
